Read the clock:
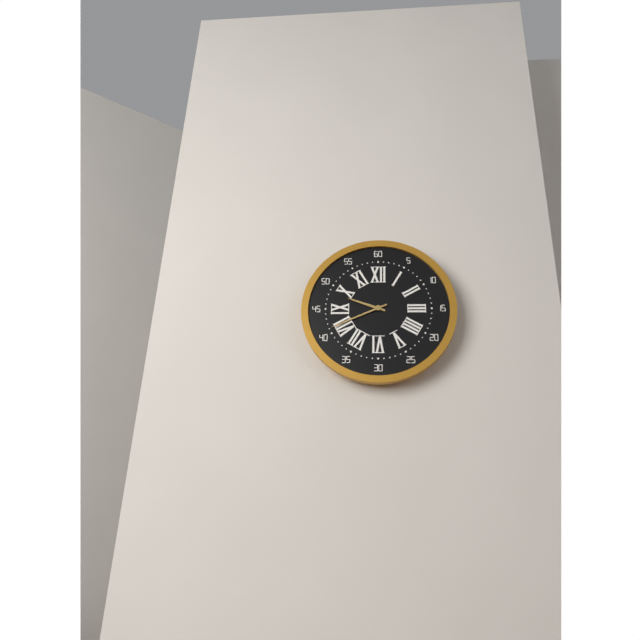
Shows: 9:41
